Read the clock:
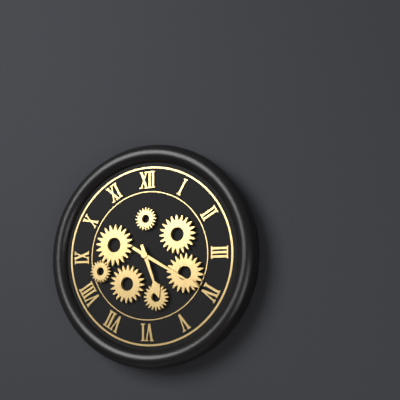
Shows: 5:20
